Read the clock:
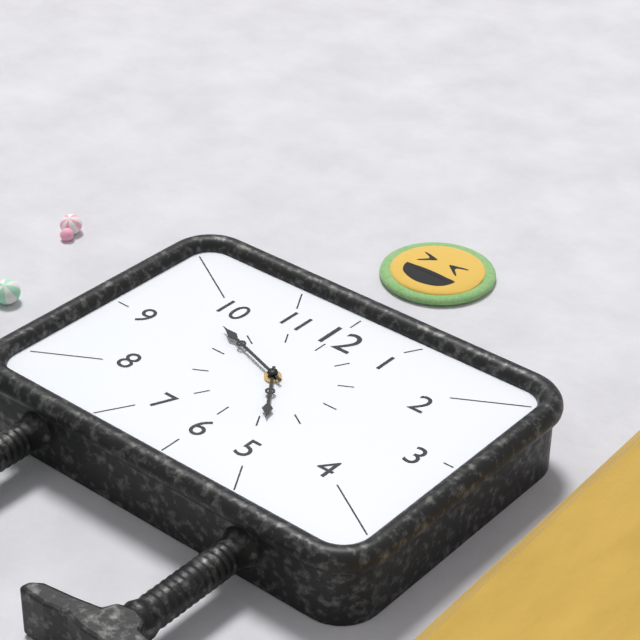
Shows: 4:48
